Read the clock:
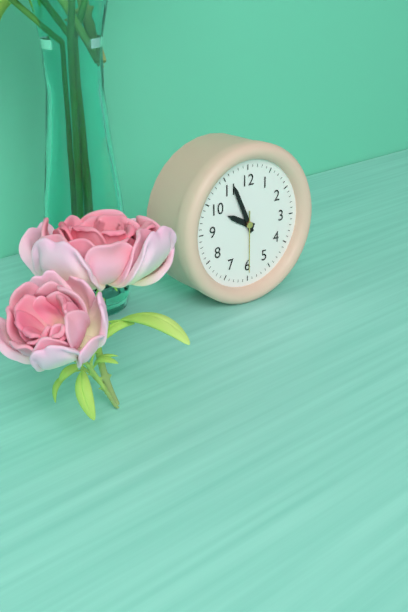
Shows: 9:56:30
